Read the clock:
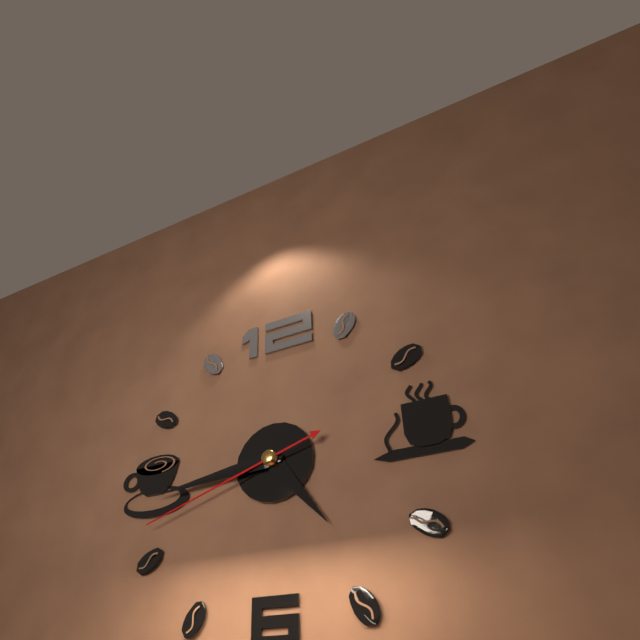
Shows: 4:44:42
